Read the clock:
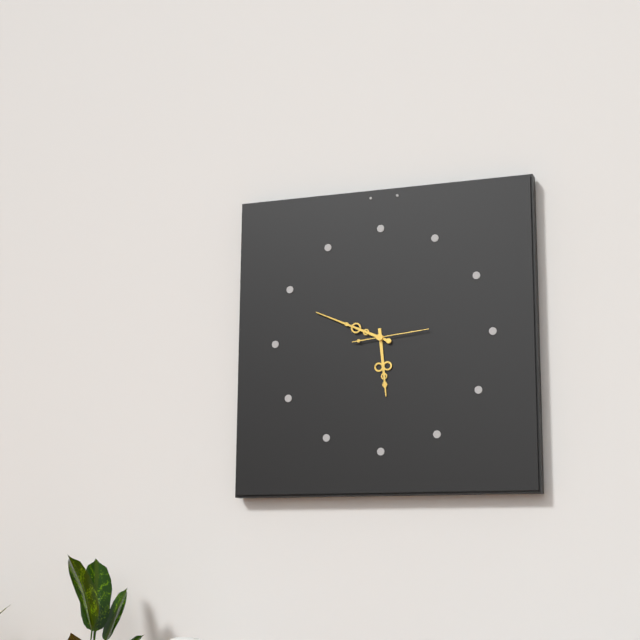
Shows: 5:49:14
